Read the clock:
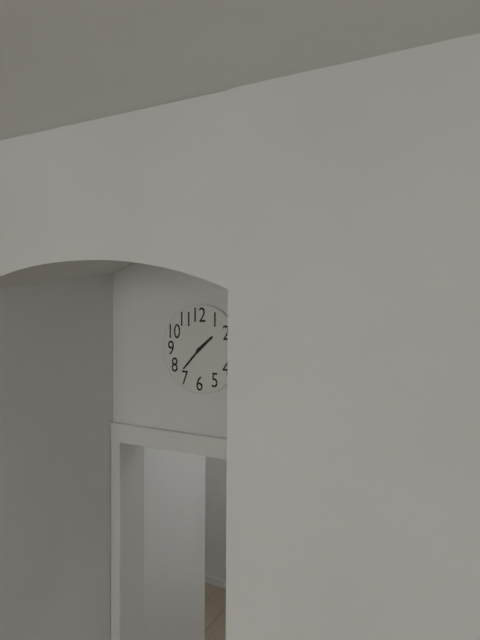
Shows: 1:37
